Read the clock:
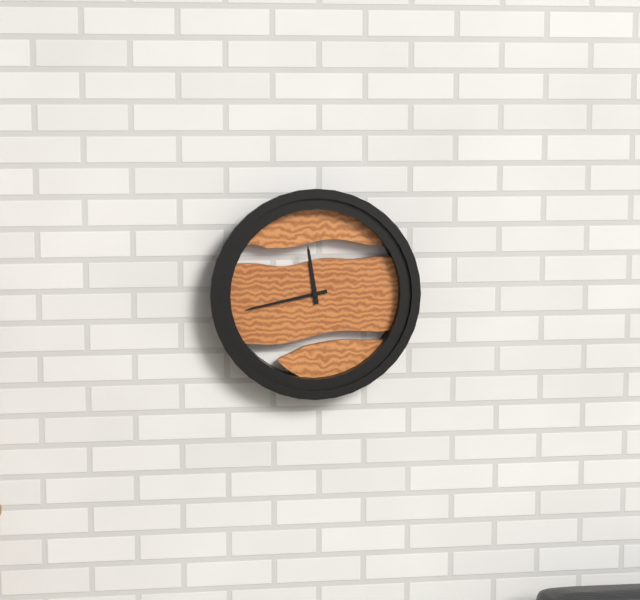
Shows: 11:43
